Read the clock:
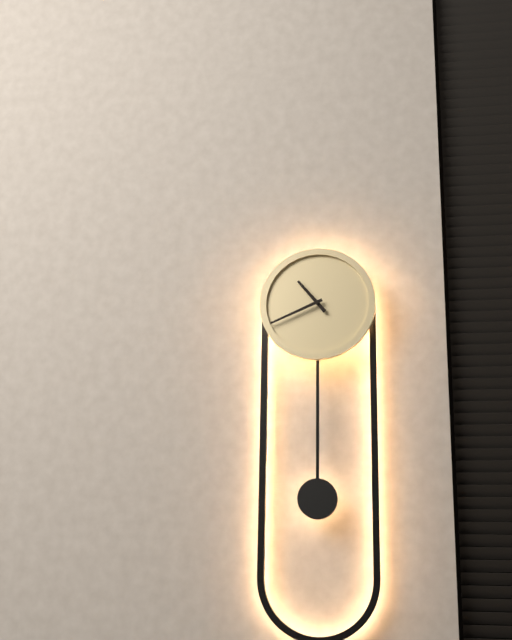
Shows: 10:41
